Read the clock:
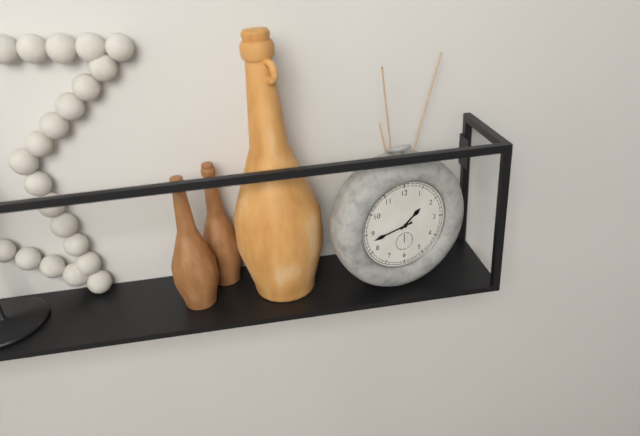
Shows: 1:43
